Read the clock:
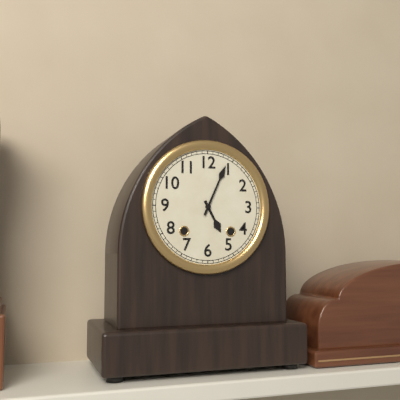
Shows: 5:04
